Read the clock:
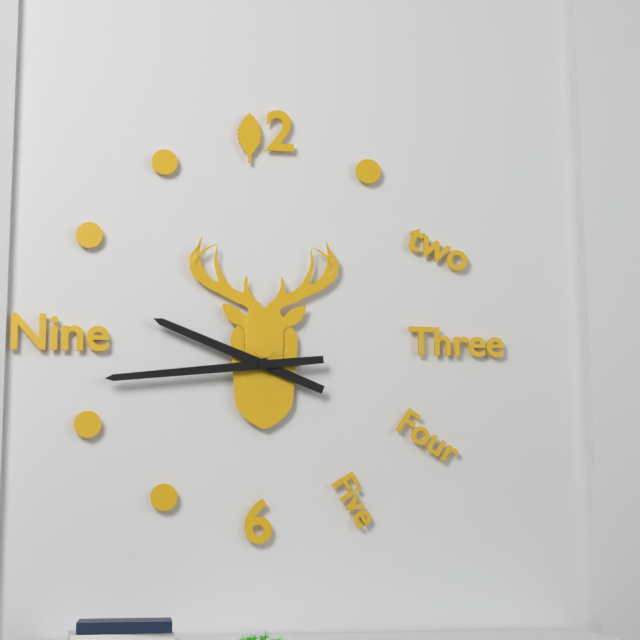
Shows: 9:44
